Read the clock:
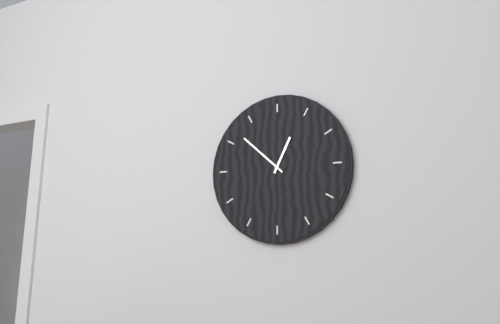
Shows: 12:52
